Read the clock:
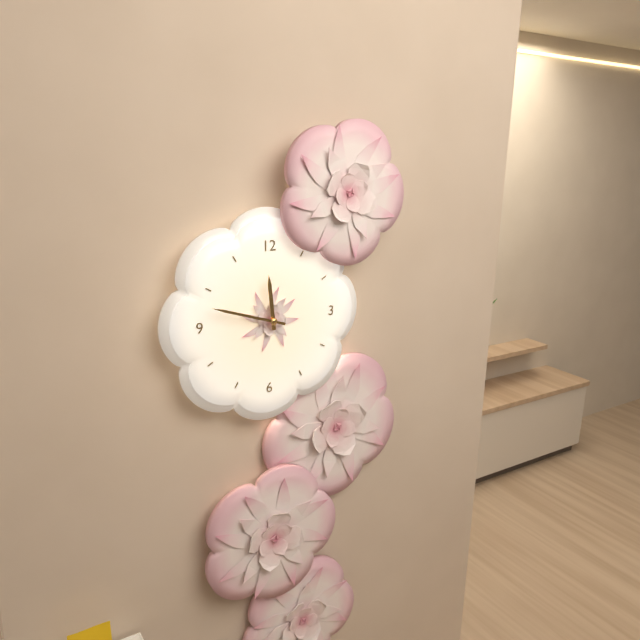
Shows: 11:48
